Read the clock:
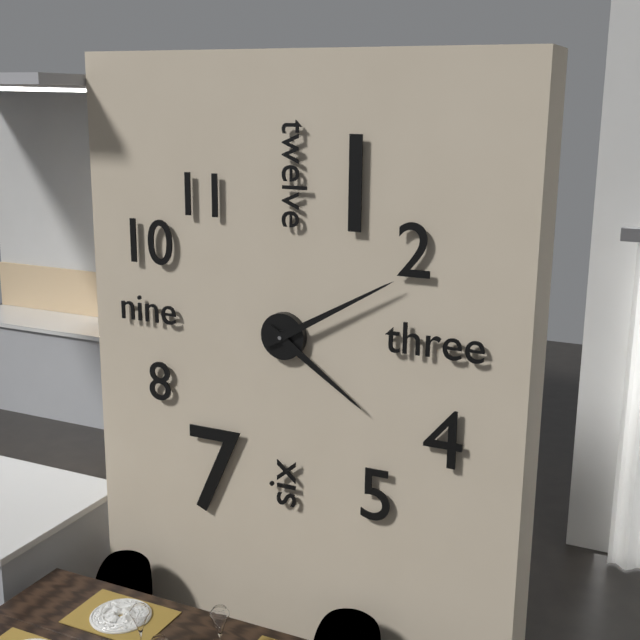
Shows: 4:10
